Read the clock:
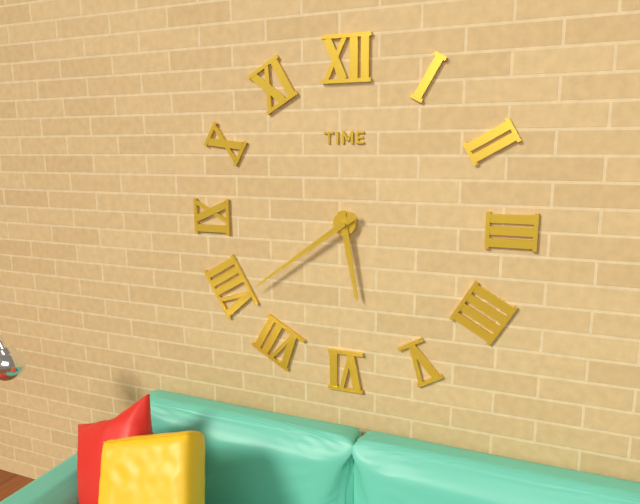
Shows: 5:39
